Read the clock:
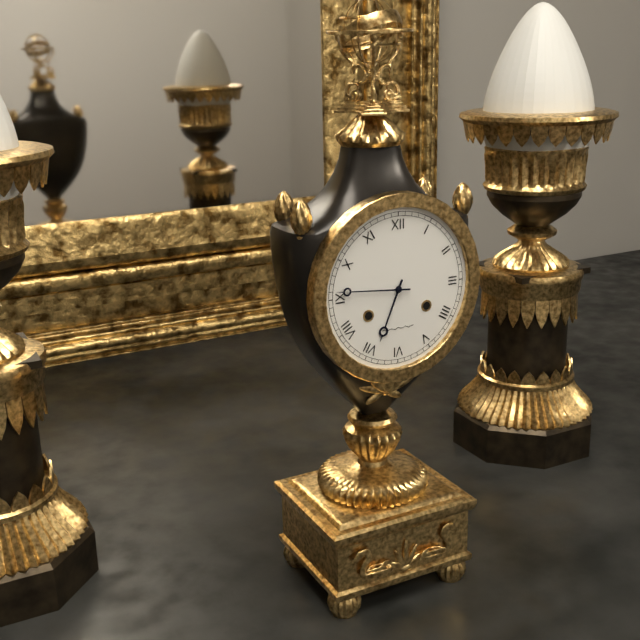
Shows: 6:46
